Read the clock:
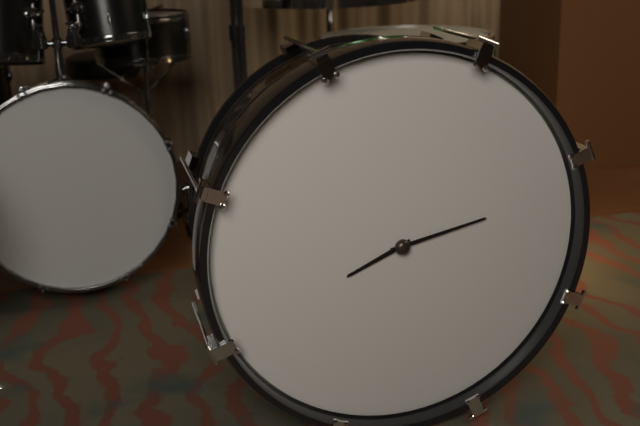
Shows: 8:13
